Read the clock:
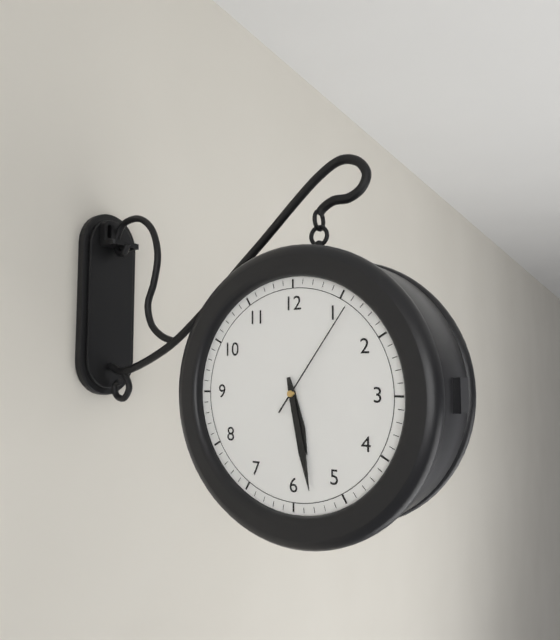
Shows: 5:28:06
